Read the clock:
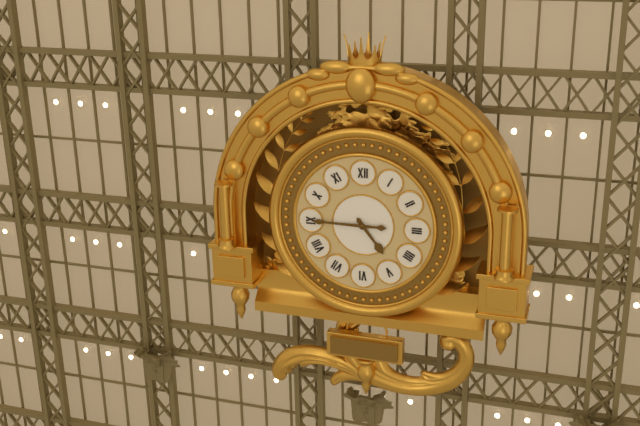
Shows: 4:45
